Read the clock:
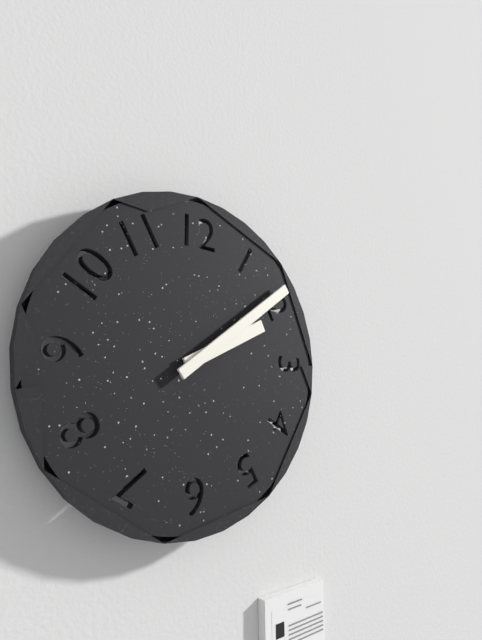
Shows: 2:09
